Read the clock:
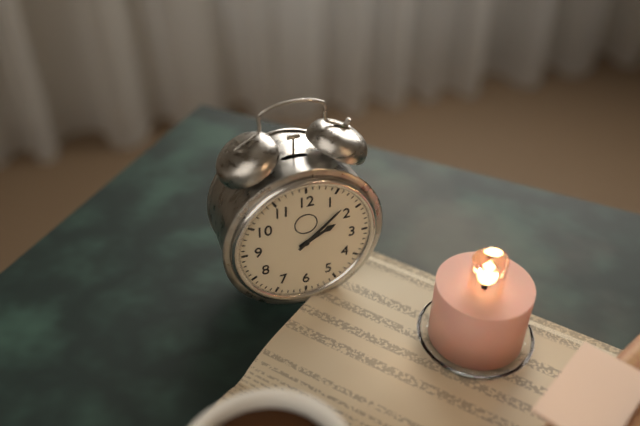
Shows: 2:08
